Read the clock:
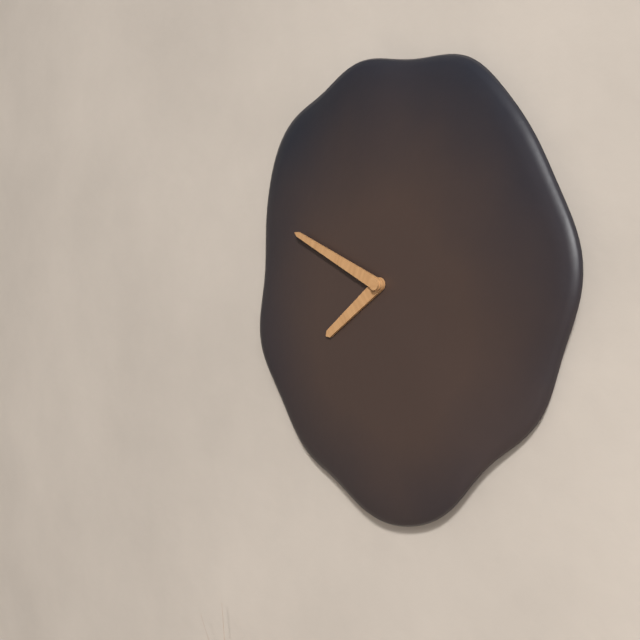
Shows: 7:49
